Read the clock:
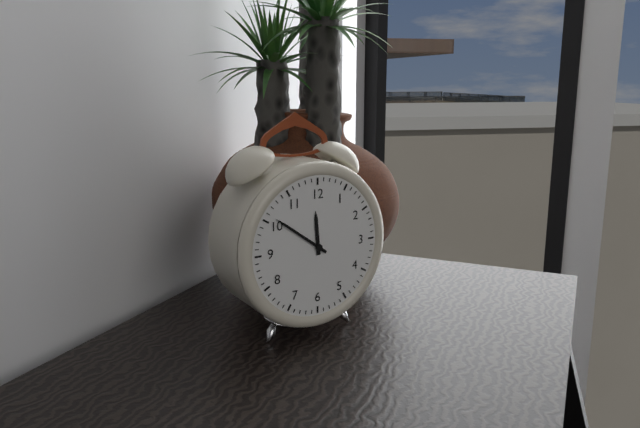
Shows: 11:51
